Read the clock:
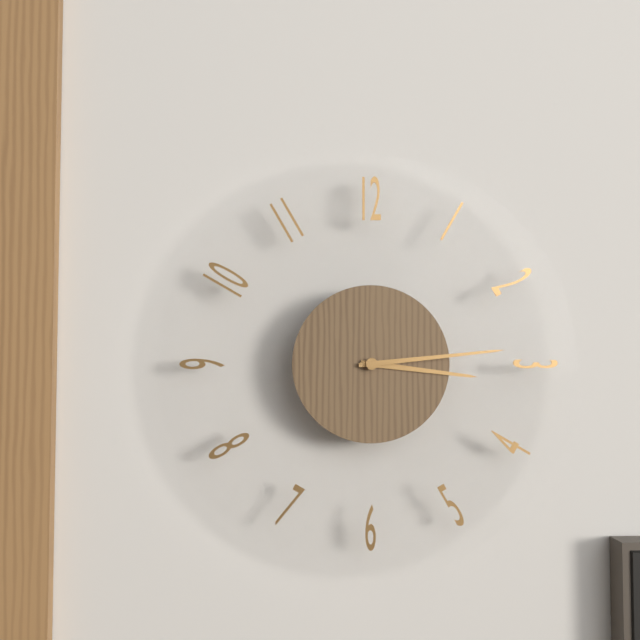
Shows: 3:14
